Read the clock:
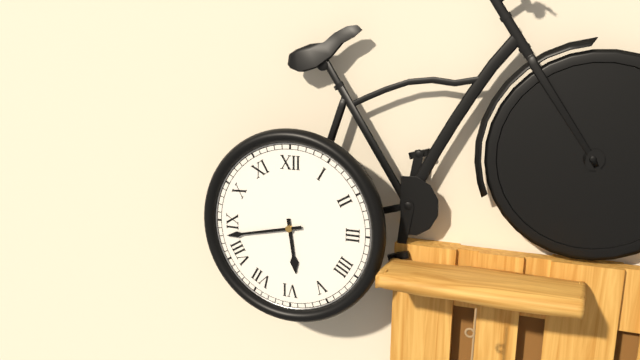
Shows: 5:43
